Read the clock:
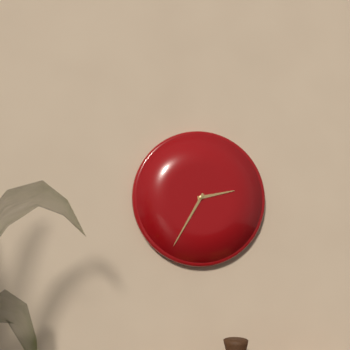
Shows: 2:35
